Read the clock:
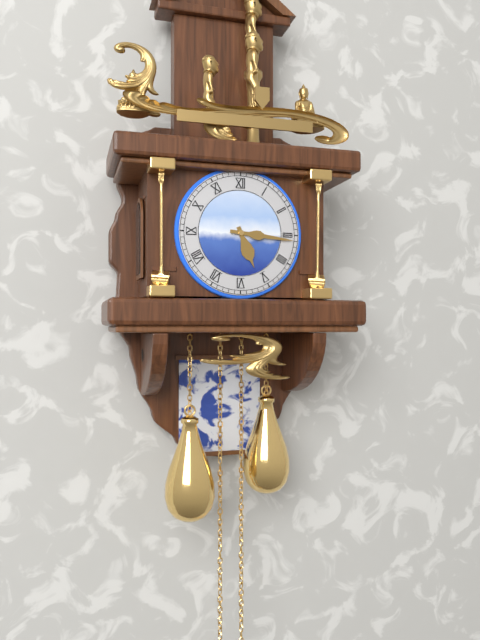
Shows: 5:16
